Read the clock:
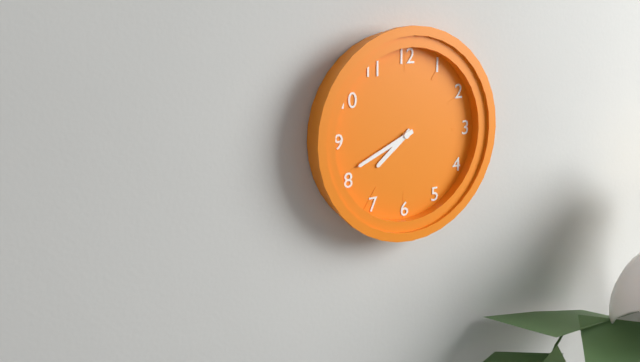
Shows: 7:41
